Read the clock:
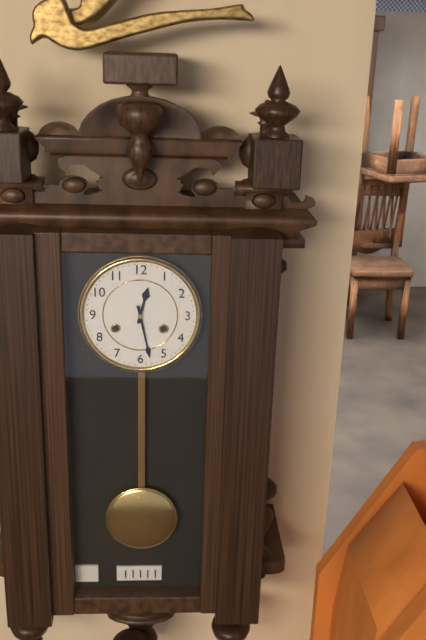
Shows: 12:28
